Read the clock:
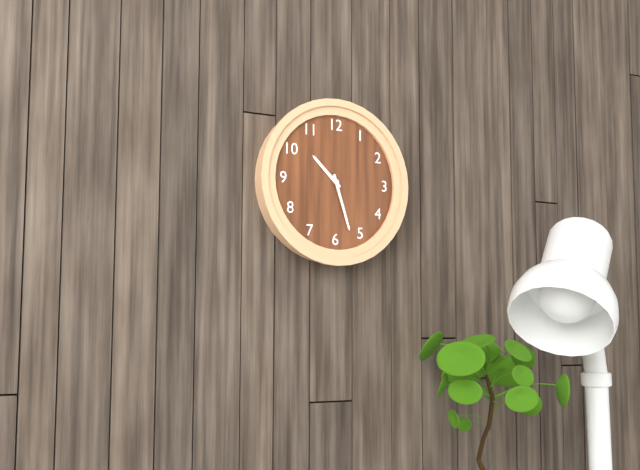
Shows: 10:27
